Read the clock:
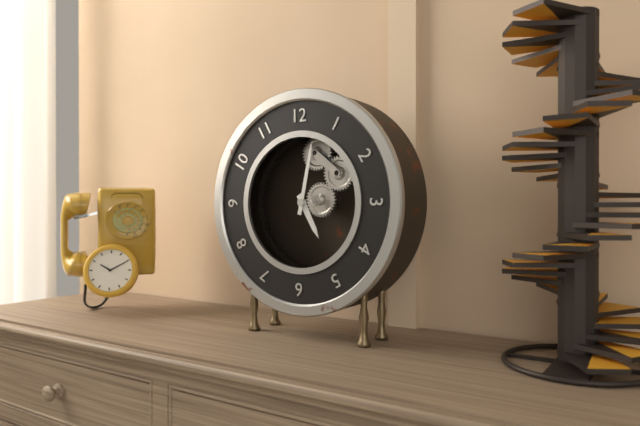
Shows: 5:02
